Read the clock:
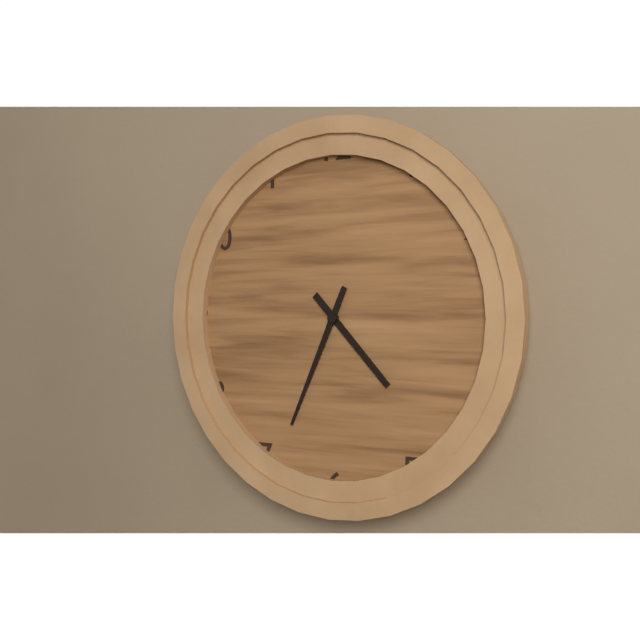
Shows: 4:34
